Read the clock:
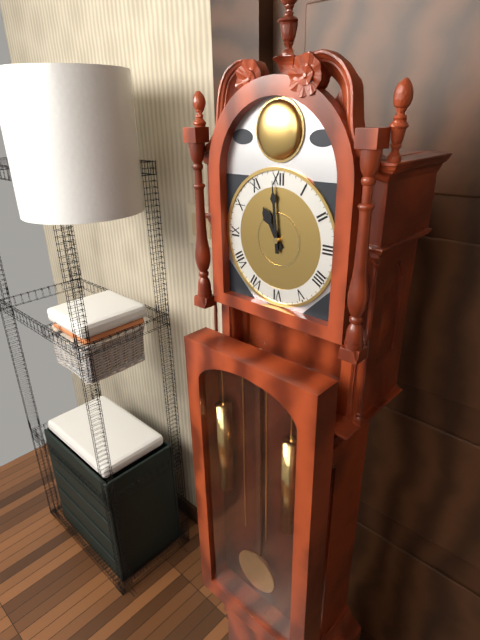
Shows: 10:59
